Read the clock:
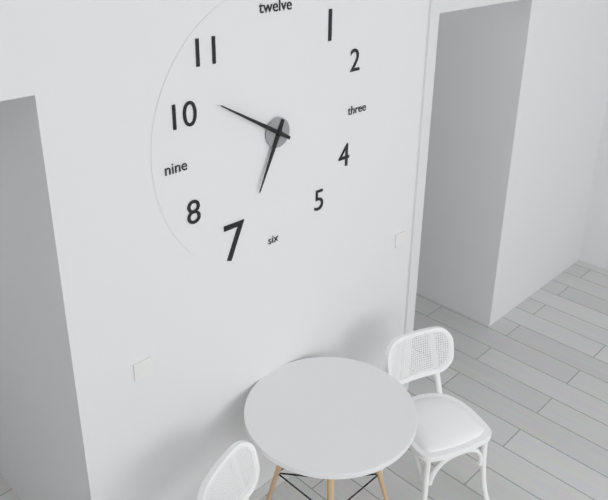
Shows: 6:50
